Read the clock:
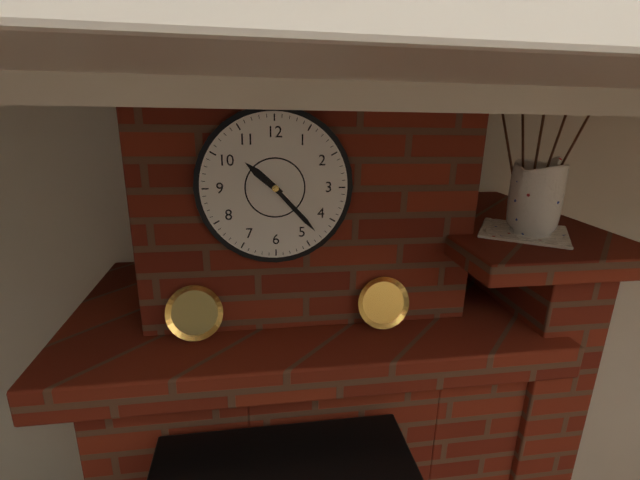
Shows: 10:23
